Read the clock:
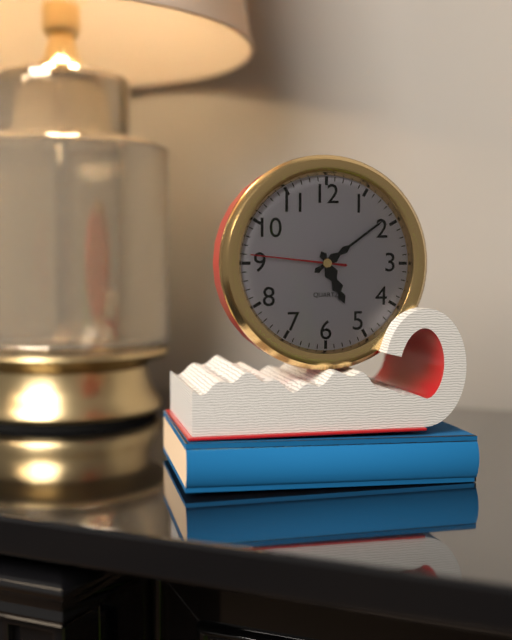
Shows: 5:09:46
